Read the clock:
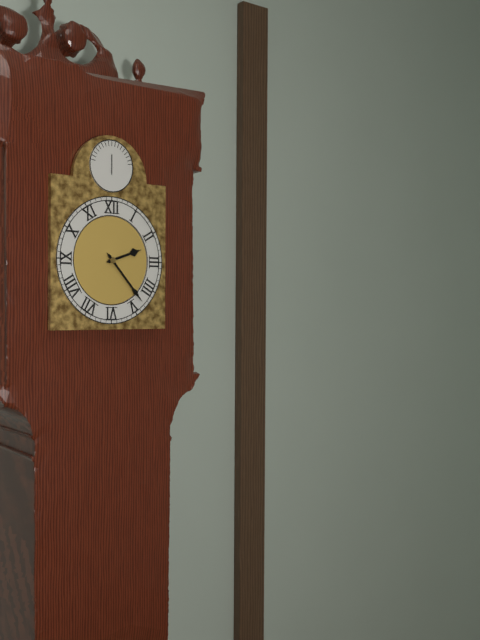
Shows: 2:23
